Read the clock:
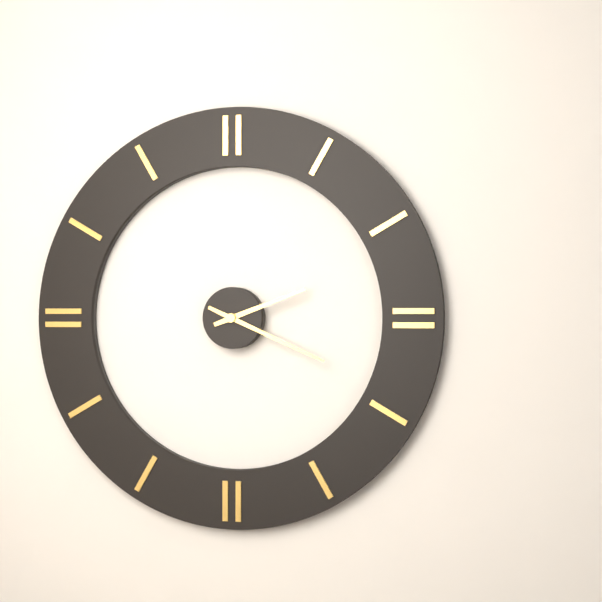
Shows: 2:19
